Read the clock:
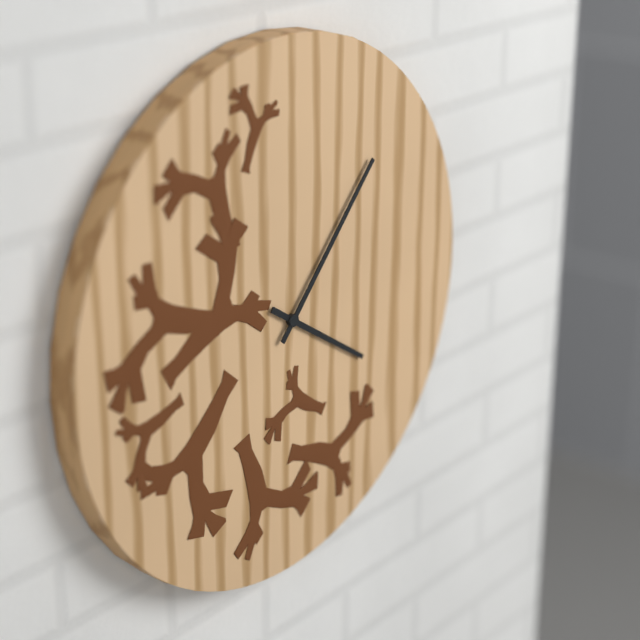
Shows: 4:07
